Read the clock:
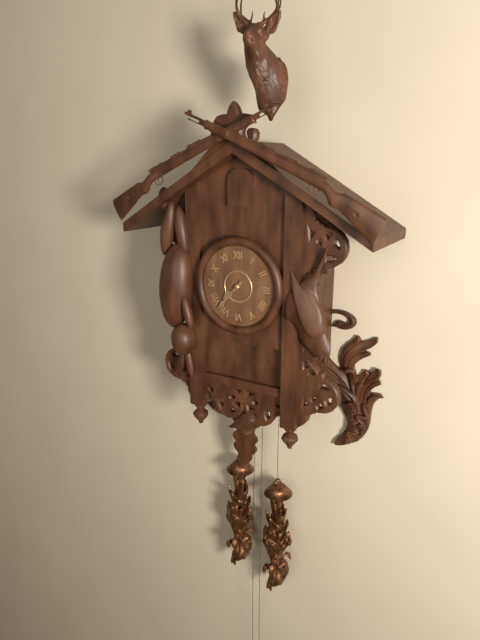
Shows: 7:37
